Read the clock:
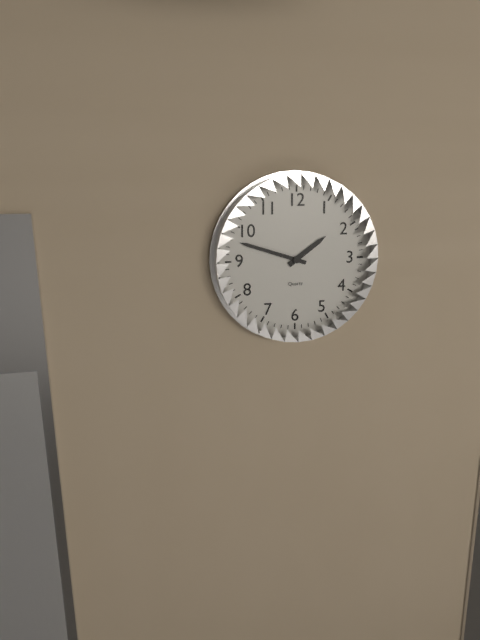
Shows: 1:48
